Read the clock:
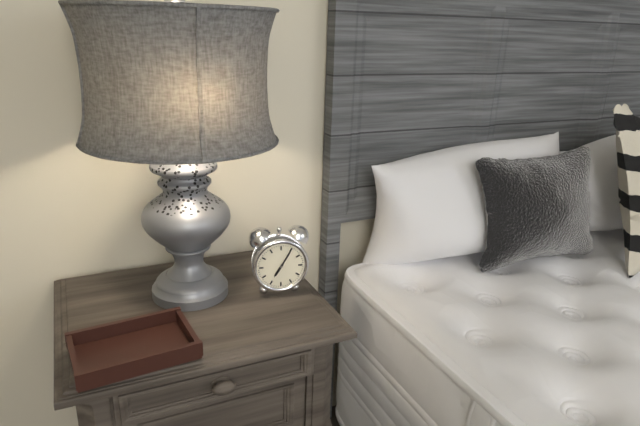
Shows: 7:05
